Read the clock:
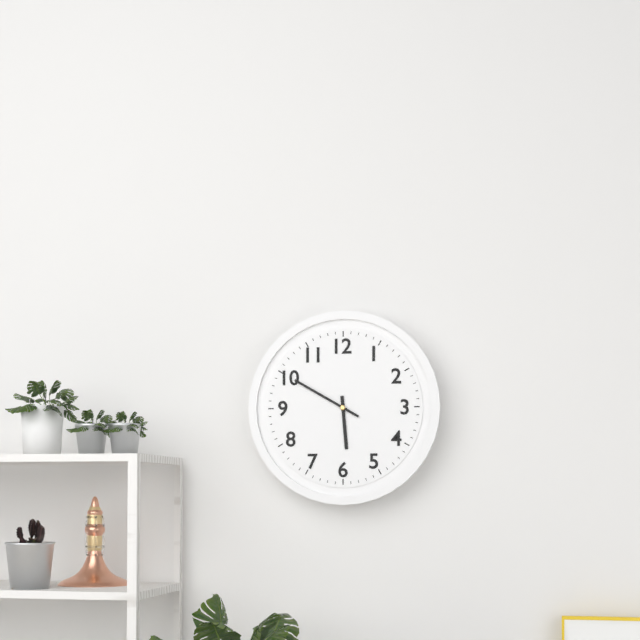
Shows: 5:50
